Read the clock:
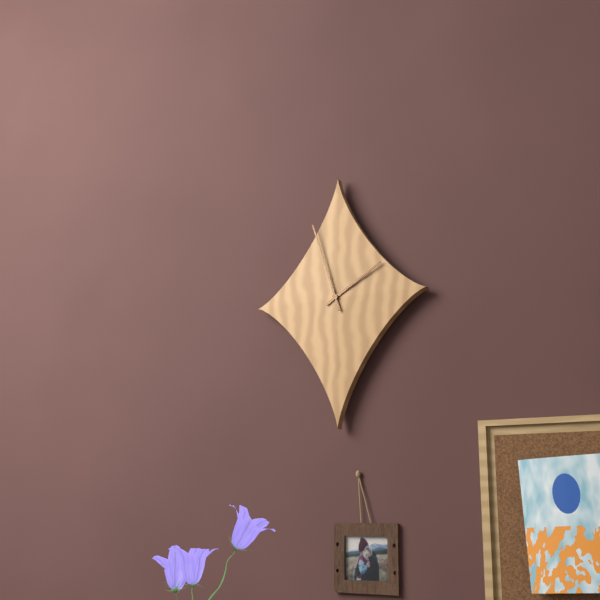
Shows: 1:57
